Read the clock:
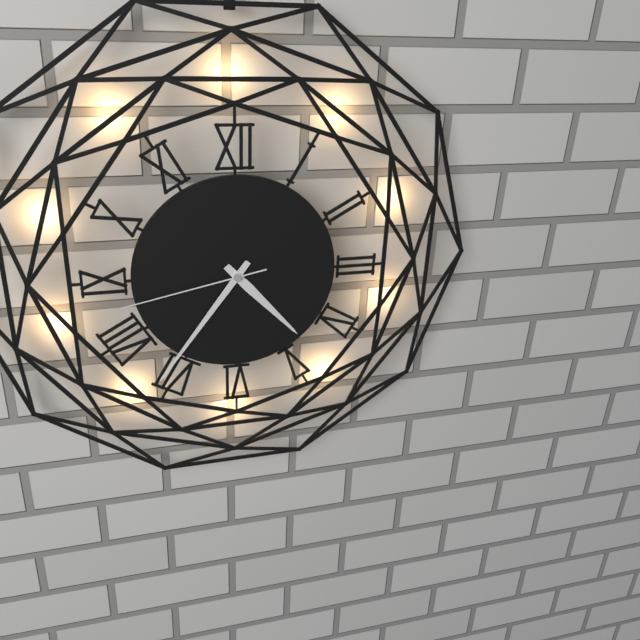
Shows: 4:36:43
